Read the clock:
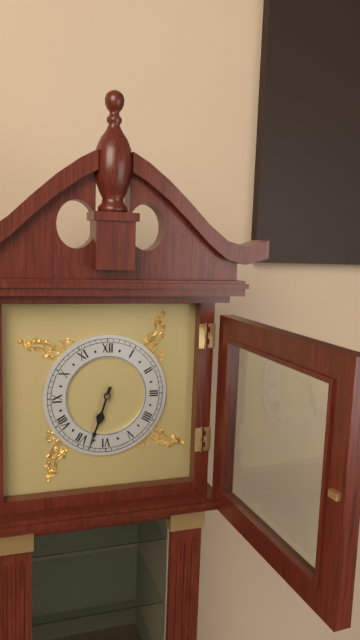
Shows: 6:33
